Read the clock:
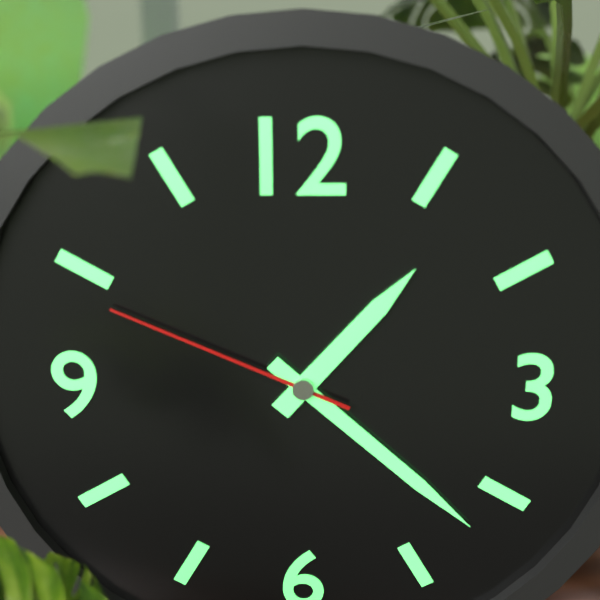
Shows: 1:22:49
